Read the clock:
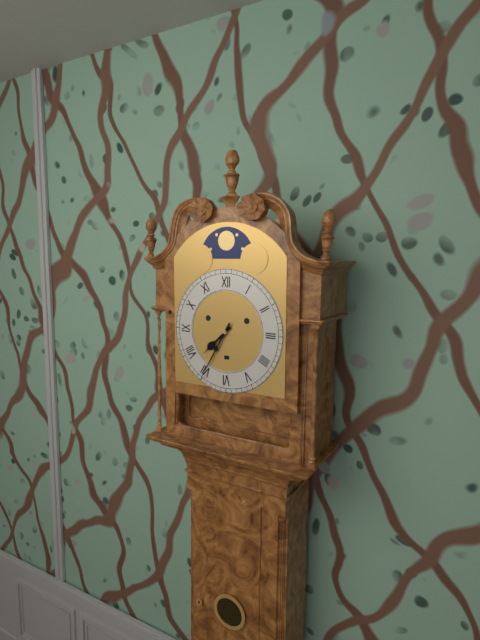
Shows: 7:35
